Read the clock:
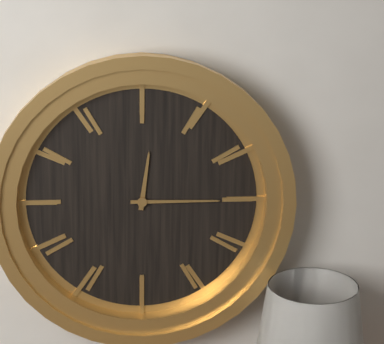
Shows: 12:15
